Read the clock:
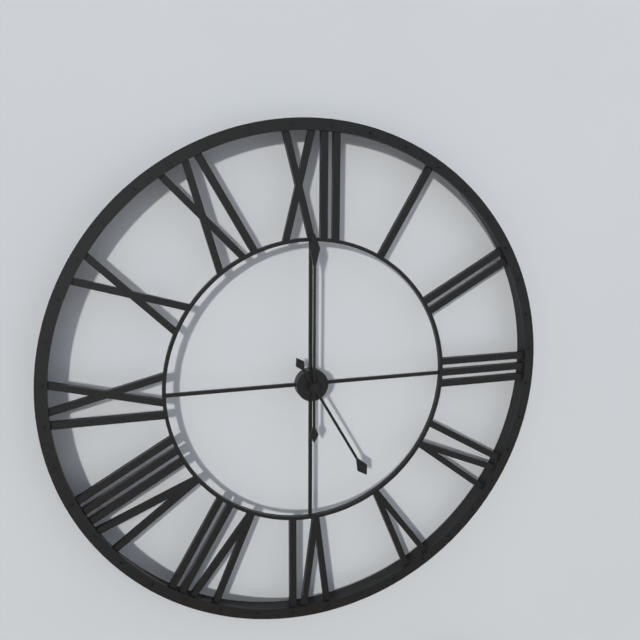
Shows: 5:00
